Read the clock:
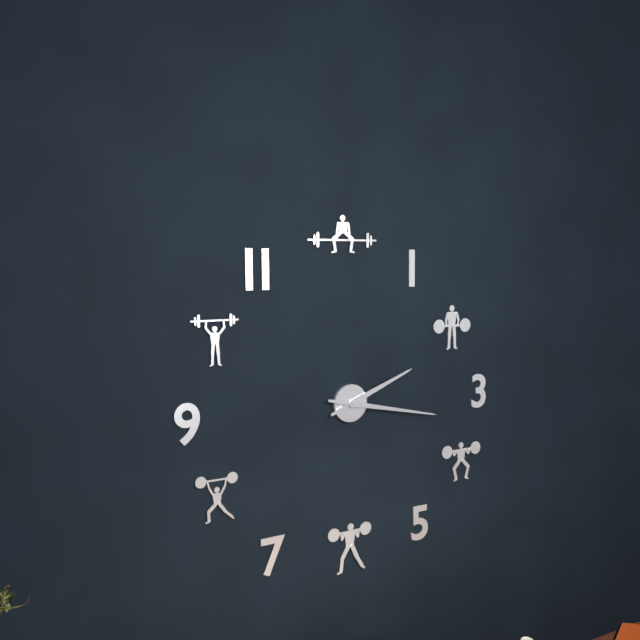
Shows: 2:17
